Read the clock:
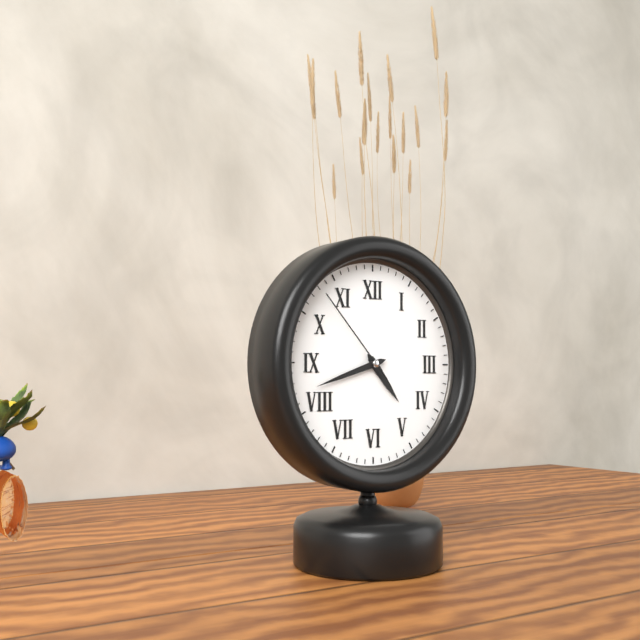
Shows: 4:42:53
